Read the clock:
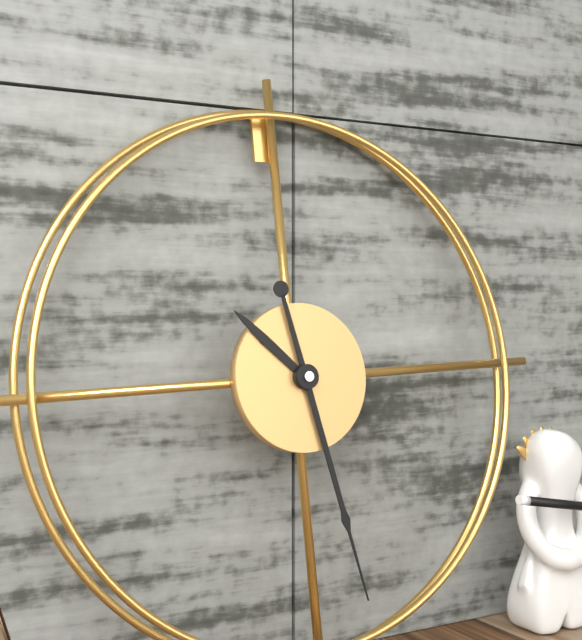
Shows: 10:28
